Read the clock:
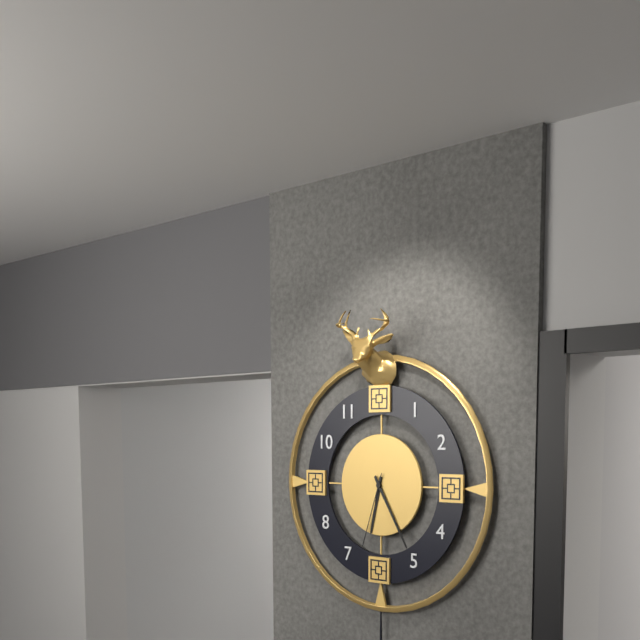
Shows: 6:25:33
